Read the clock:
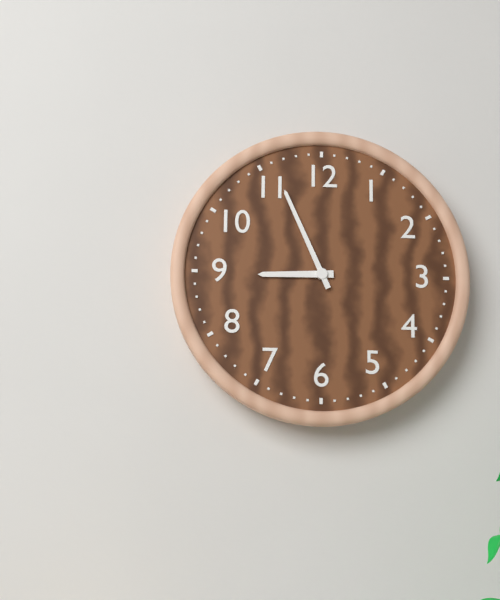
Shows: 8:56
